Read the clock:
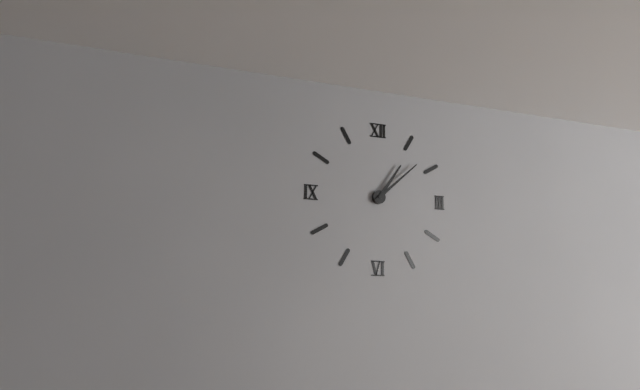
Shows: 1:08
